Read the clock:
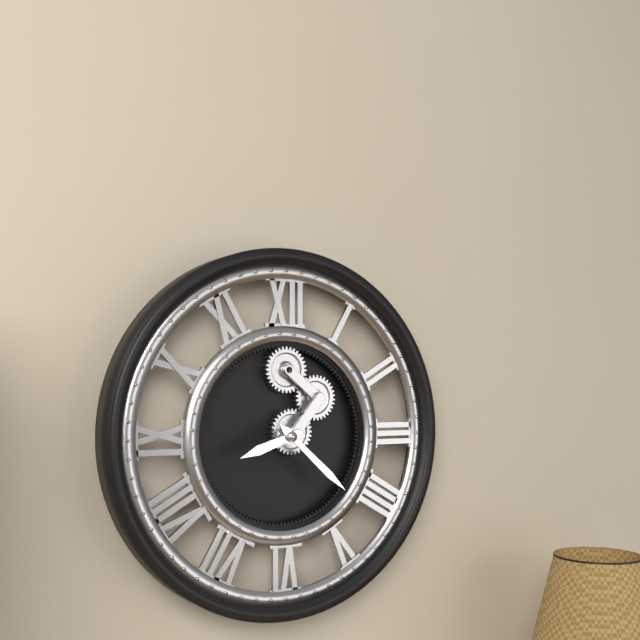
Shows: 8:22
